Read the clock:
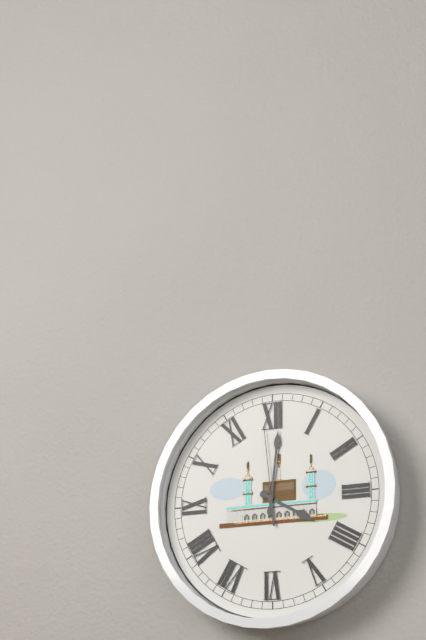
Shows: 4:01:59
